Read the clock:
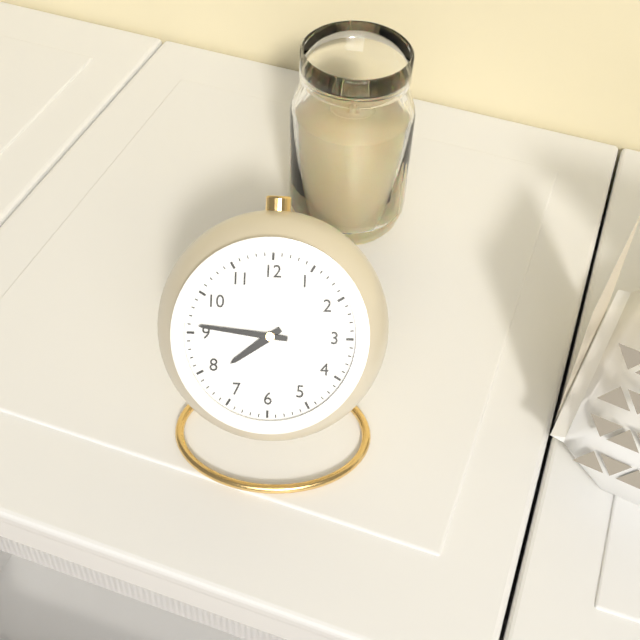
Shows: 7:46
